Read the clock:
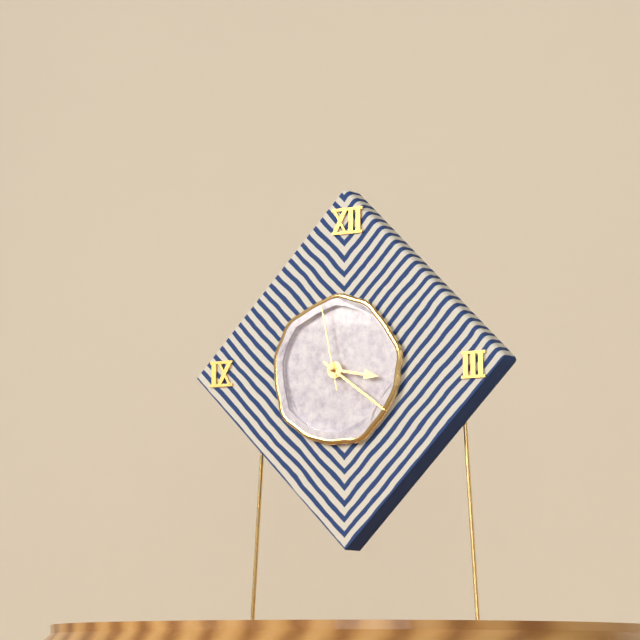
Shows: 3:21:58
